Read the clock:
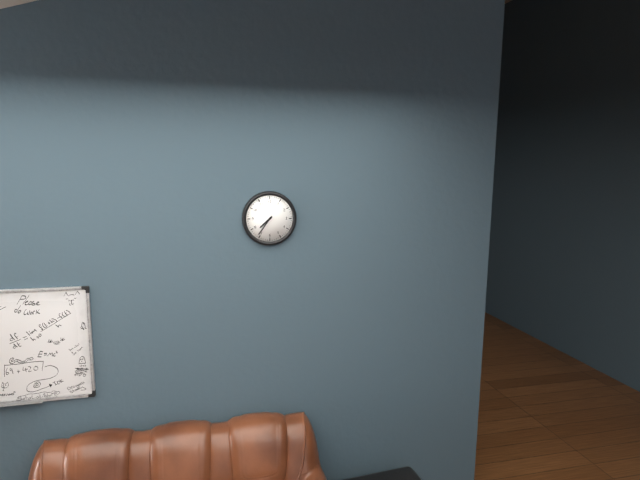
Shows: 7:36
